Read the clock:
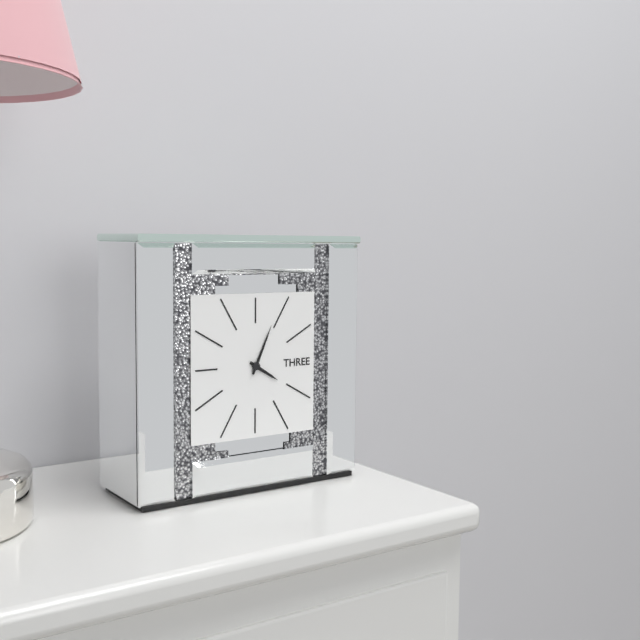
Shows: 4:04
